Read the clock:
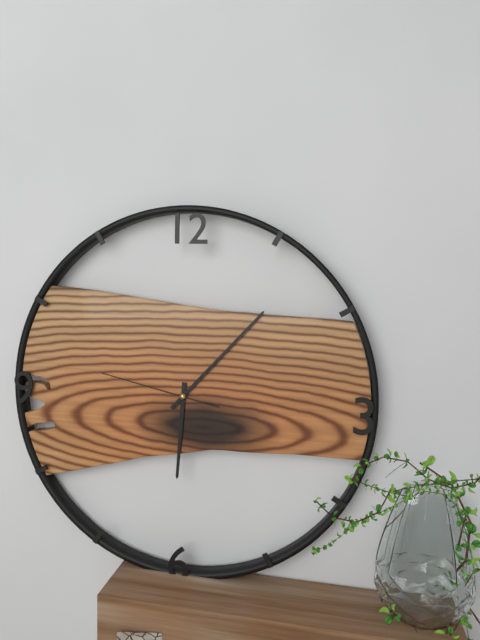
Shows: 6:07:47
